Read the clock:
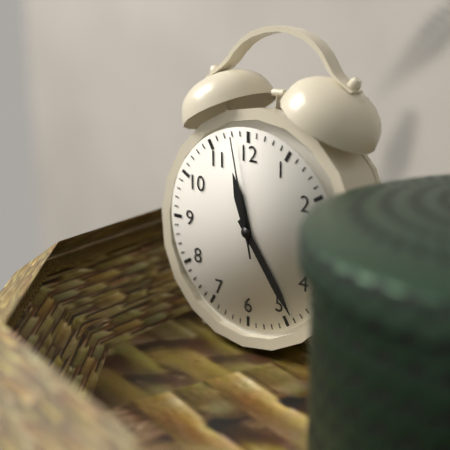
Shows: 11:24:58
